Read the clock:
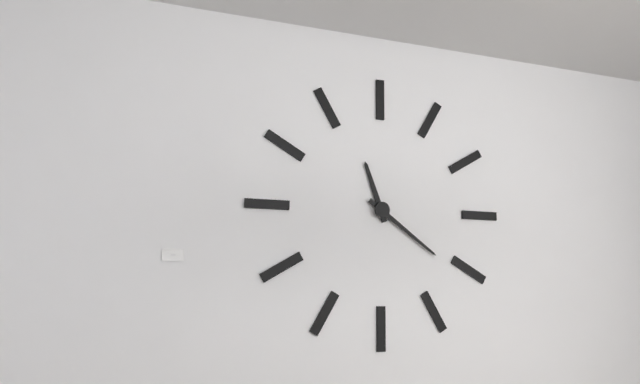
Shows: 11:21
